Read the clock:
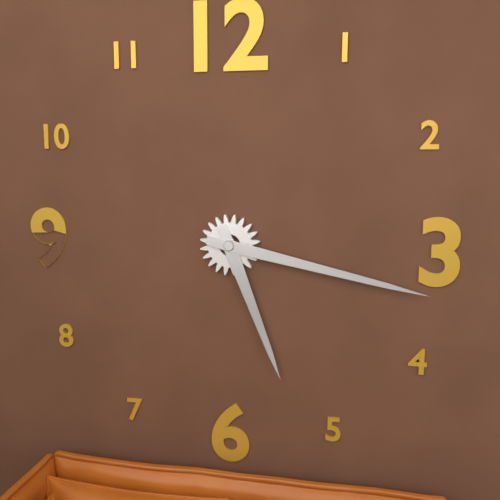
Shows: 5:17
